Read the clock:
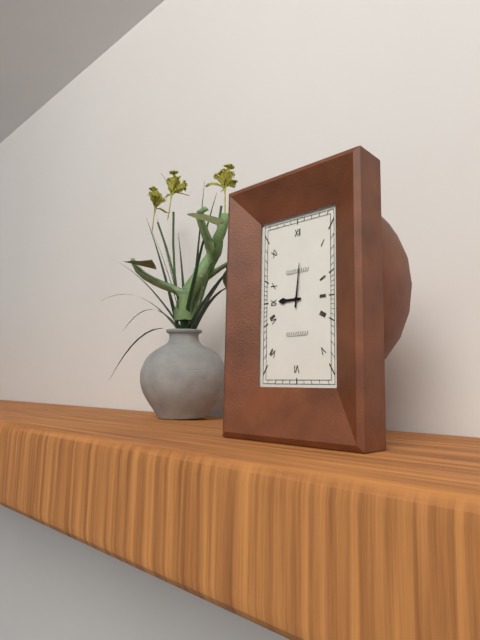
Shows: 9:01
